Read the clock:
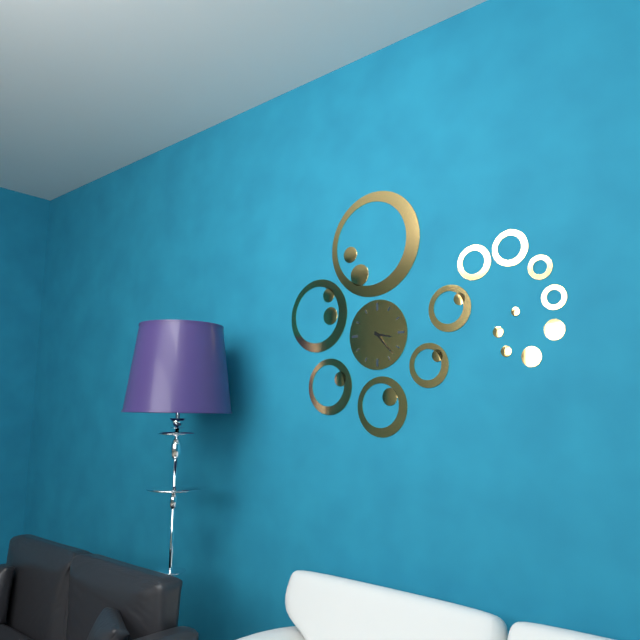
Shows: 3:23
